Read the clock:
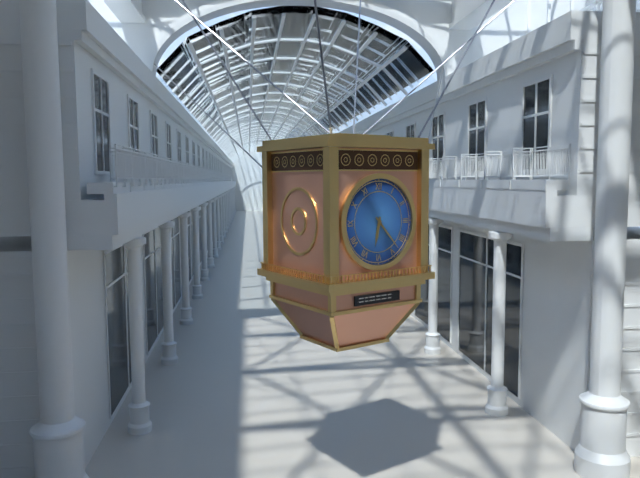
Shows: 6:23
